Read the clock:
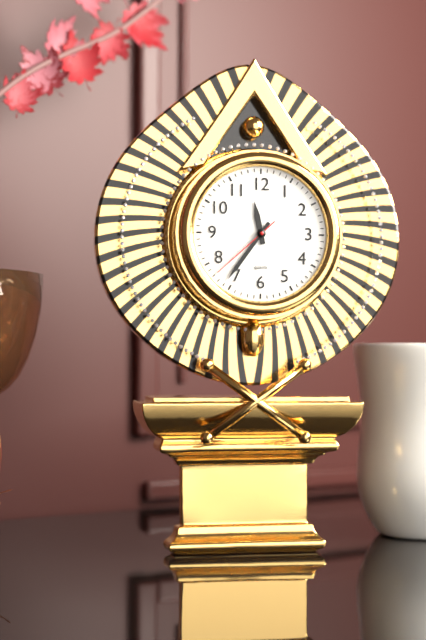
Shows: 11:36:38
